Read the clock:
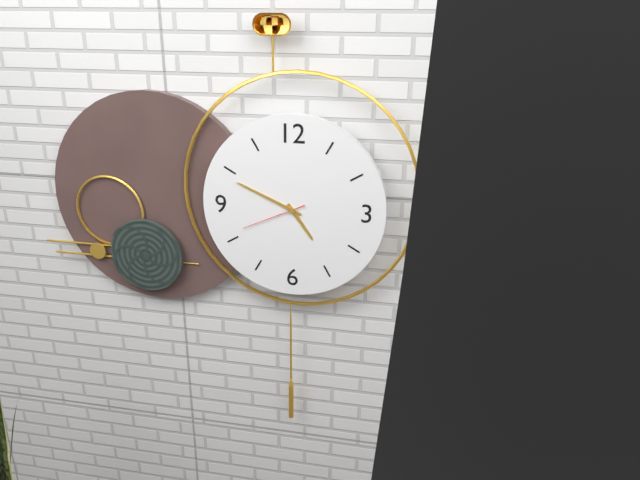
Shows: 4:49:41
